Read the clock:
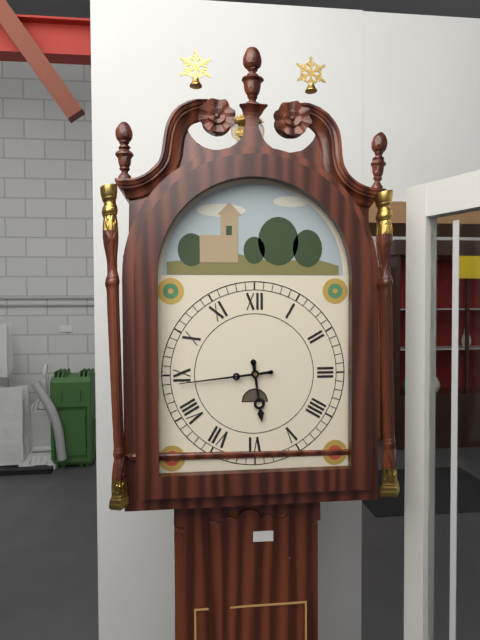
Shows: 5:44
